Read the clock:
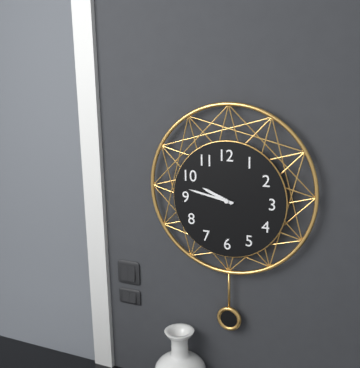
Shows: 9:47
